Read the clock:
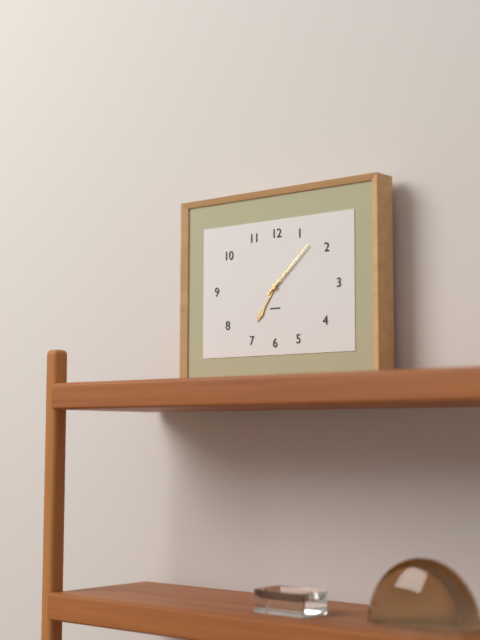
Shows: 7:08
